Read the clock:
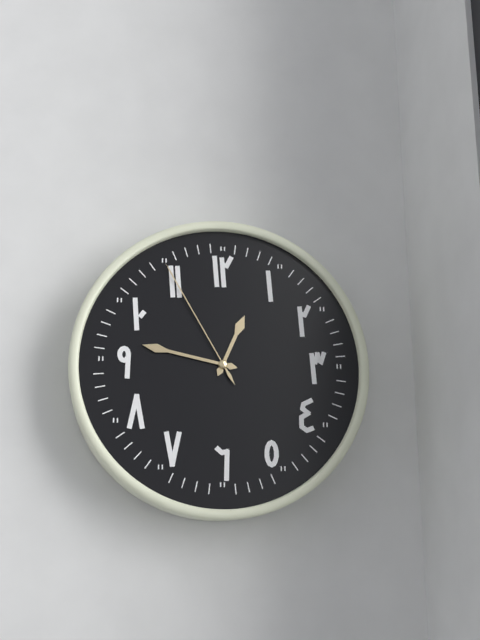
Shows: 12:47:55
